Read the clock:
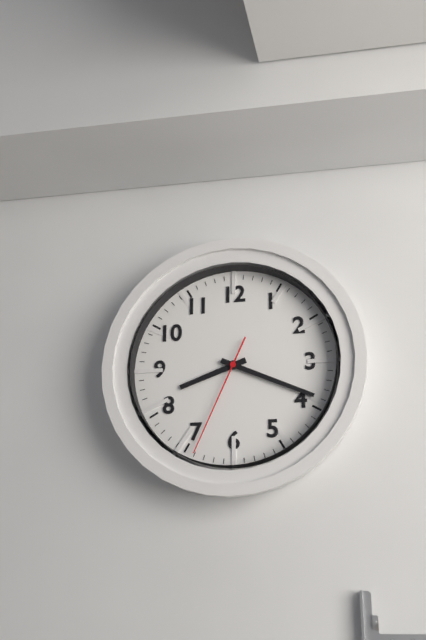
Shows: 8:19:34
